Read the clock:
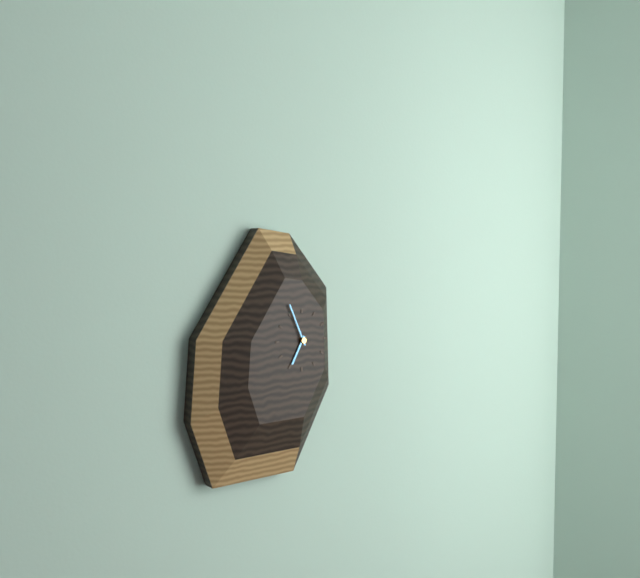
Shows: 6:56
